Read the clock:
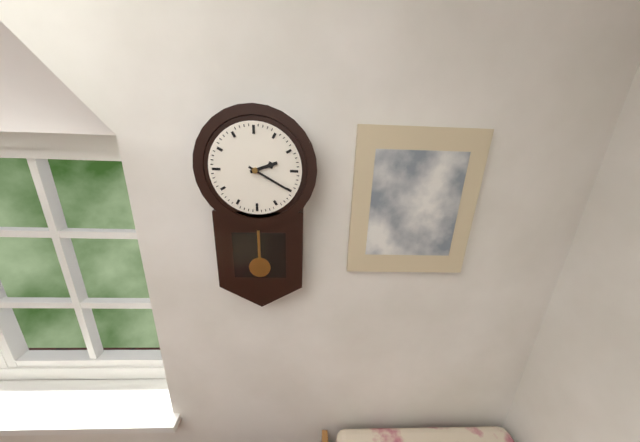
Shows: 2:20
